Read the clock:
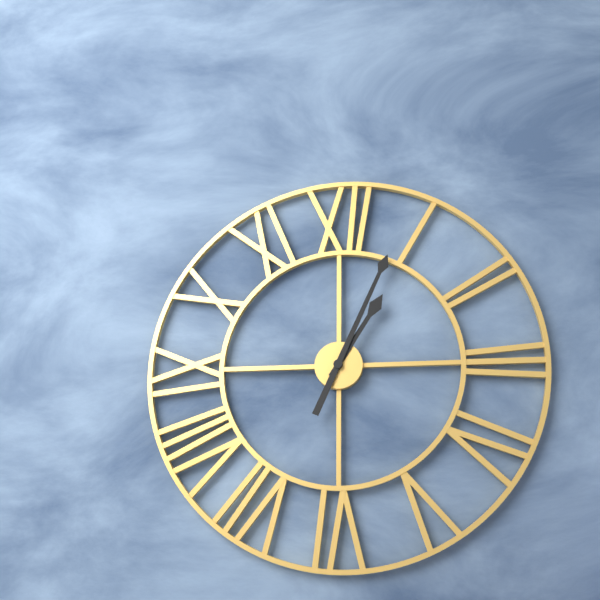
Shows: 1:04
